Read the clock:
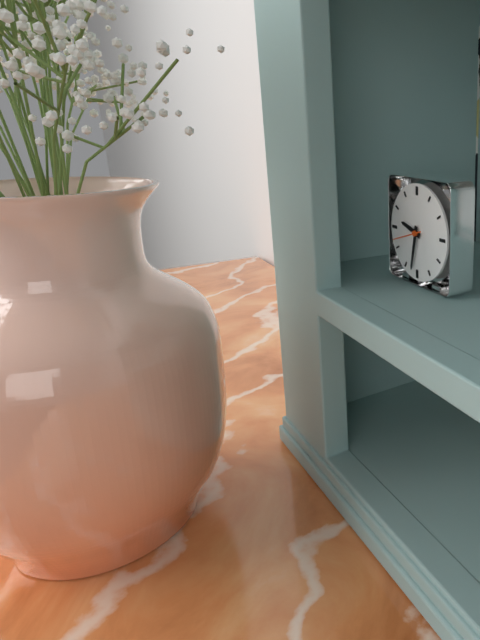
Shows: 9:32
